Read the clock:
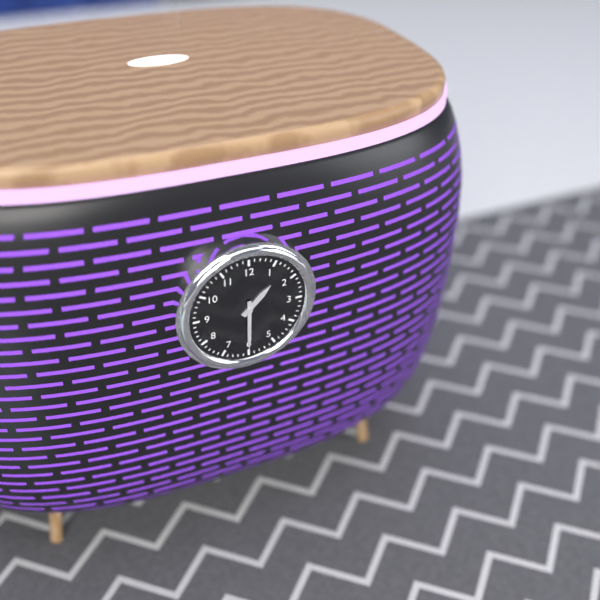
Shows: 1:30
